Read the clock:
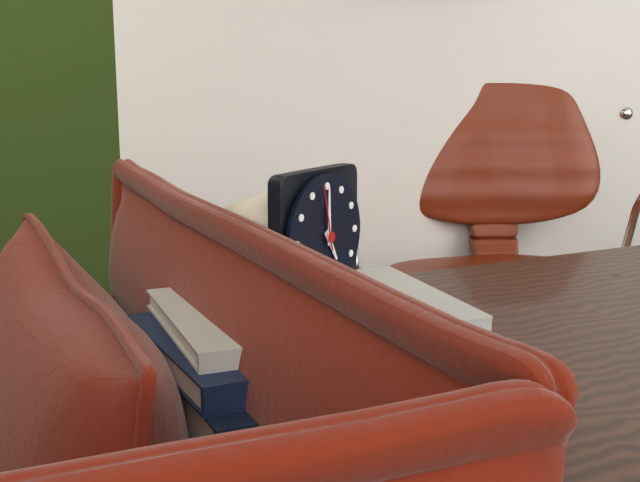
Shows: 5:00:58
